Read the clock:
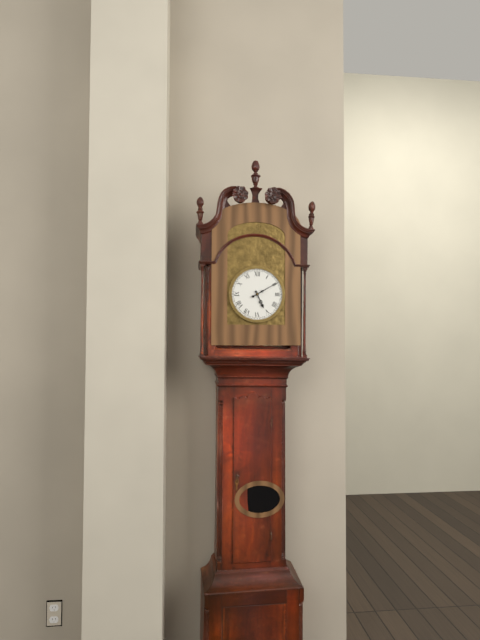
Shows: 5:10
